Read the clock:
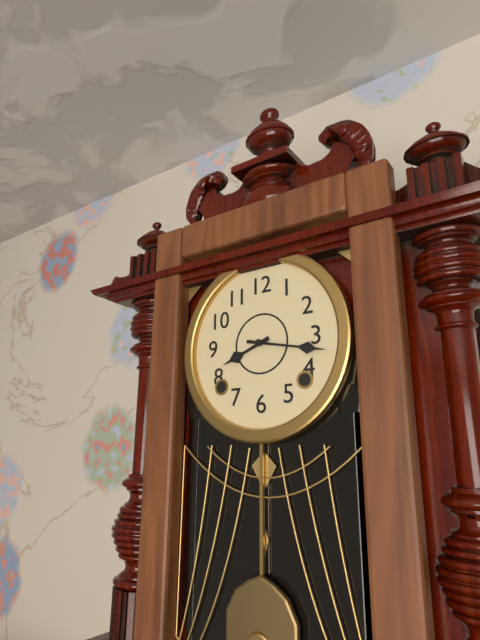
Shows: 8:17
